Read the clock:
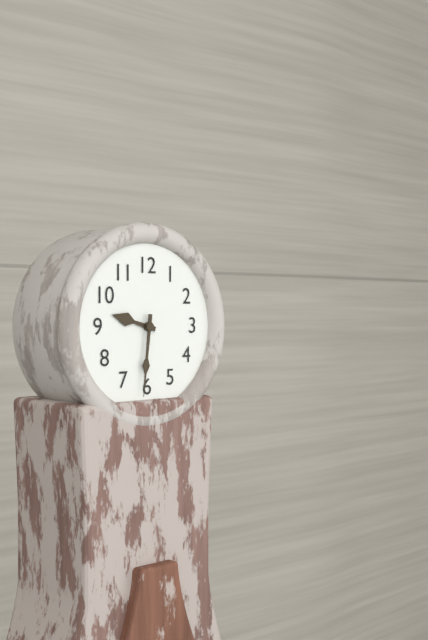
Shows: 9:31
